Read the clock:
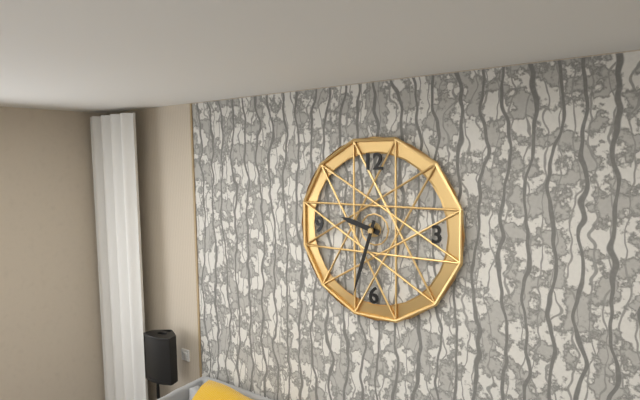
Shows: 9:33
